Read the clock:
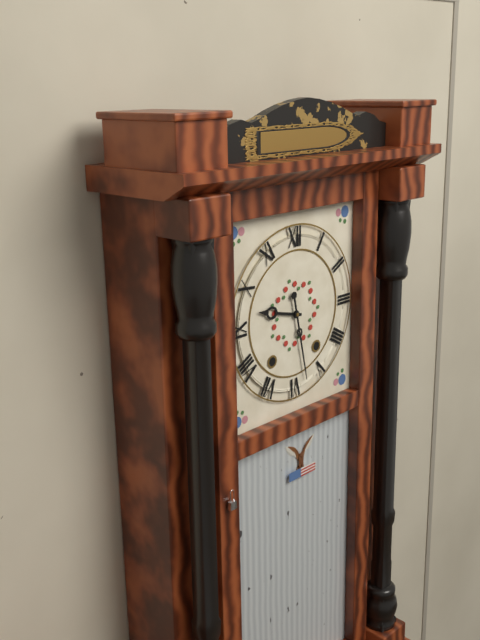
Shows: 9:28
